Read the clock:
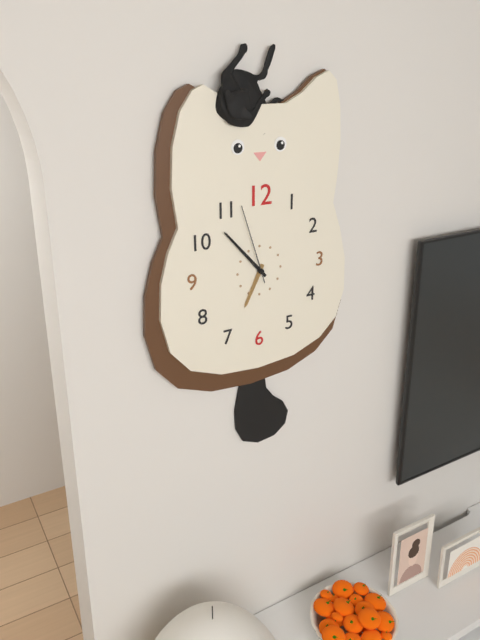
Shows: 6:53:57
